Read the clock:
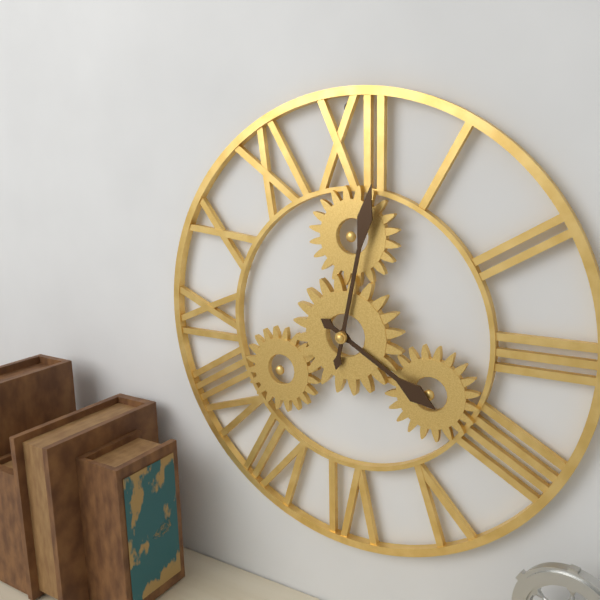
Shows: 4:02
